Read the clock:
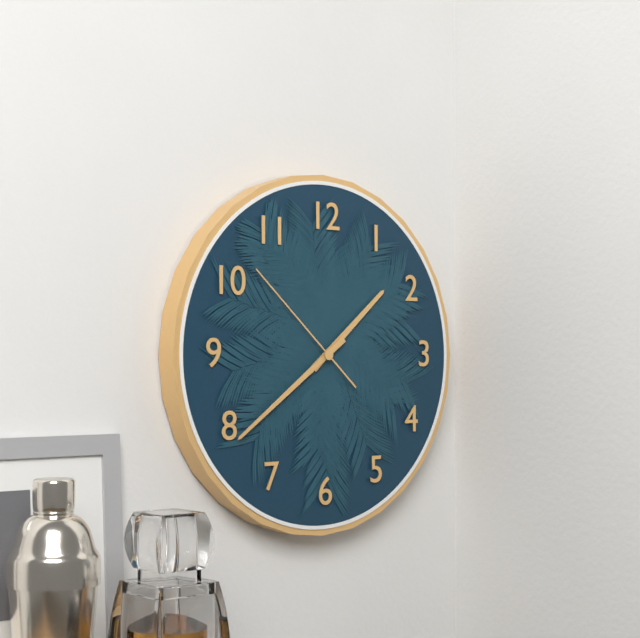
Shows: 1:39:52
